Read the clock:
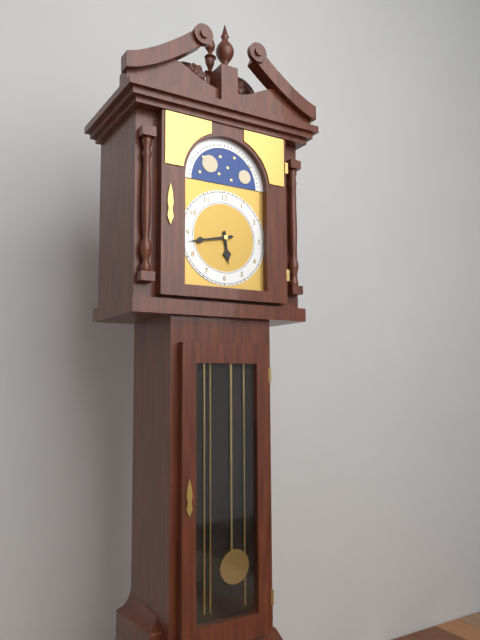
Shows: 5:43
